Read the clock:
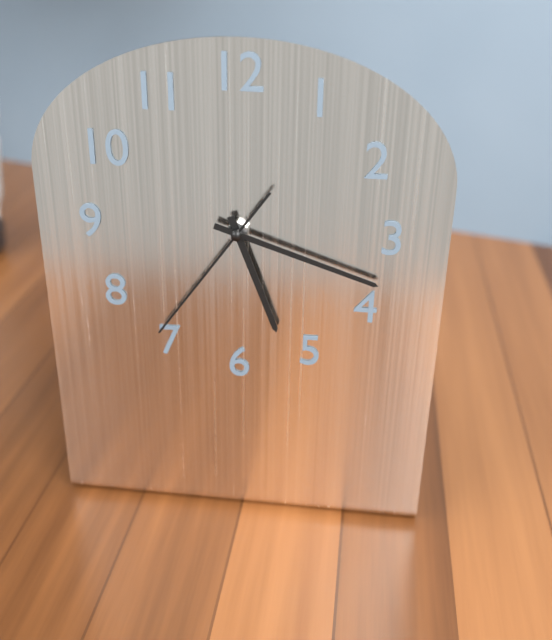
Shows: 5:18:36
